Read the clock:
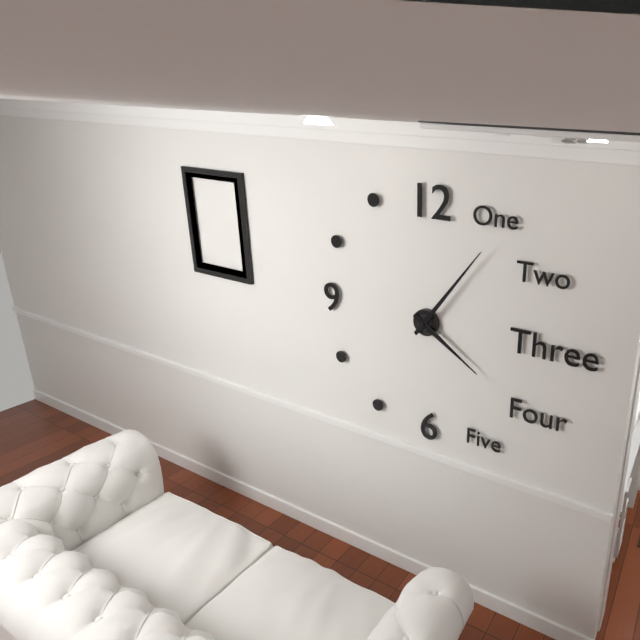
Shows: 4:06
